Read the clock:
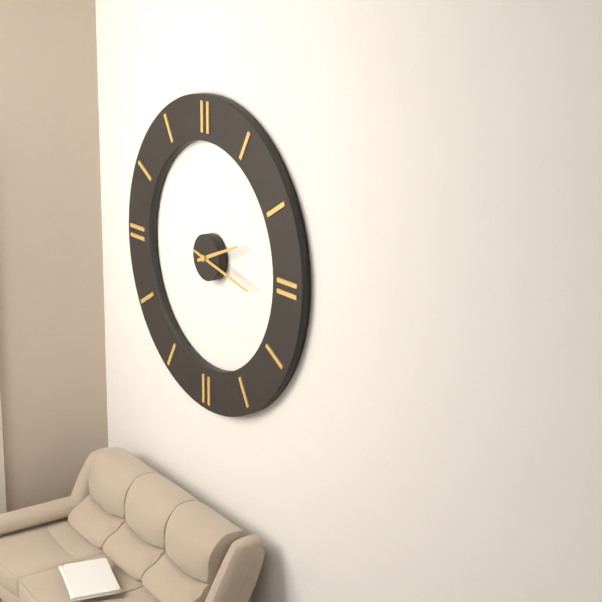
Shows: 2:17
